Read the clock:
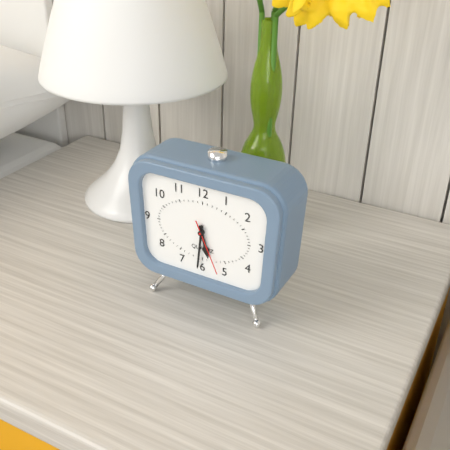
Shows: 5:31:26
